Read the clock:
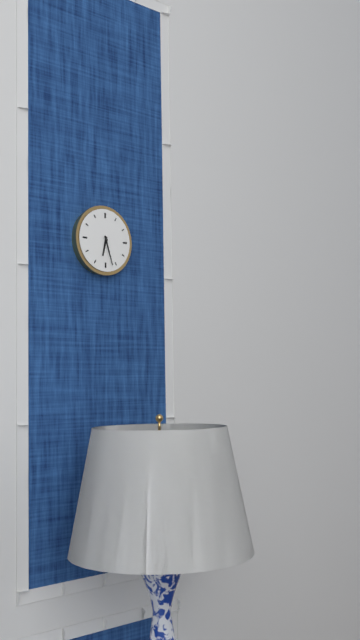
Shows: 6:27
